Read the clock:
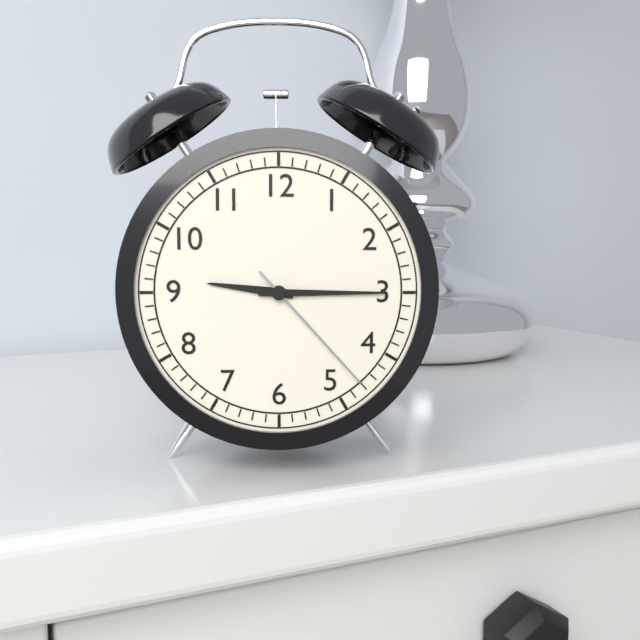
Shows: 9:15:23
